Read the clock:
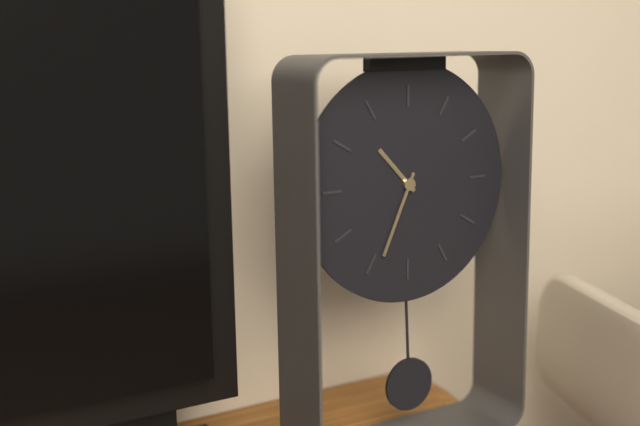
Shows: 10:34
